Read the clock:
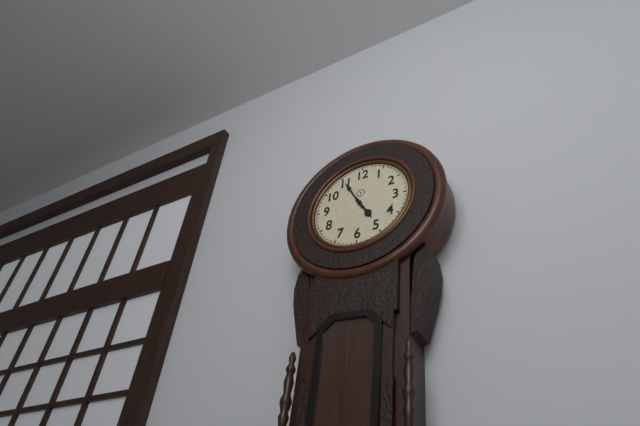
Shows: 4:55
